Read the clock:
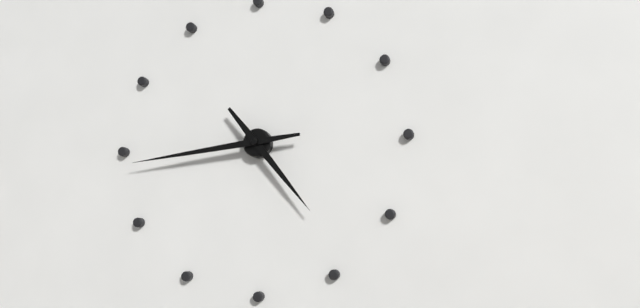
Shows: 4:44
